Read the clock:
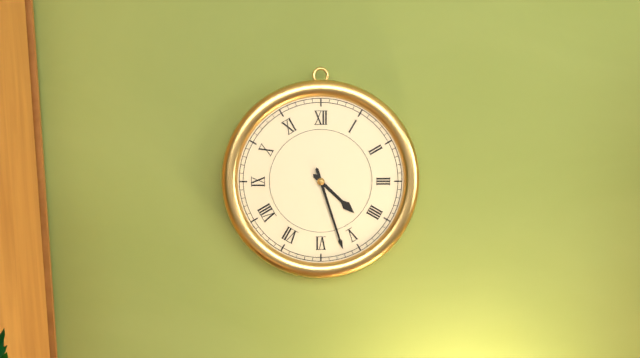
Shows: 4:27
